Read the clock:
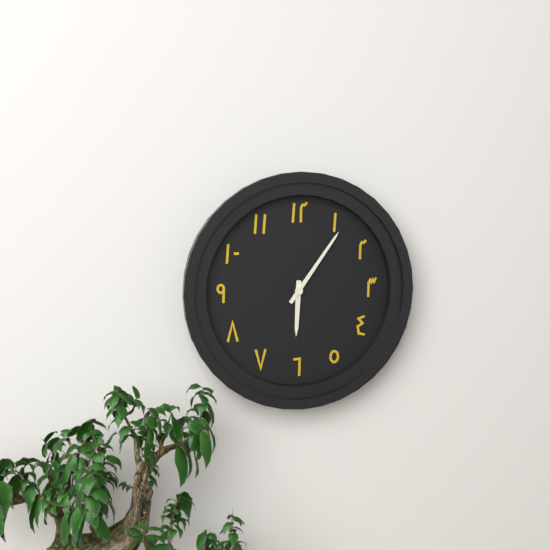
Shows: 6:06
